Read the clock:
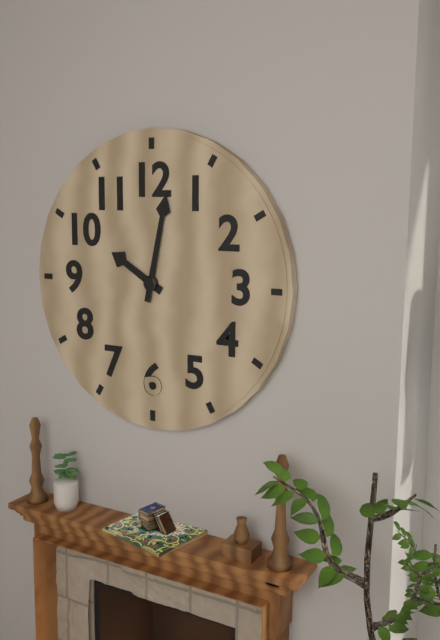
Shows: 10:02
